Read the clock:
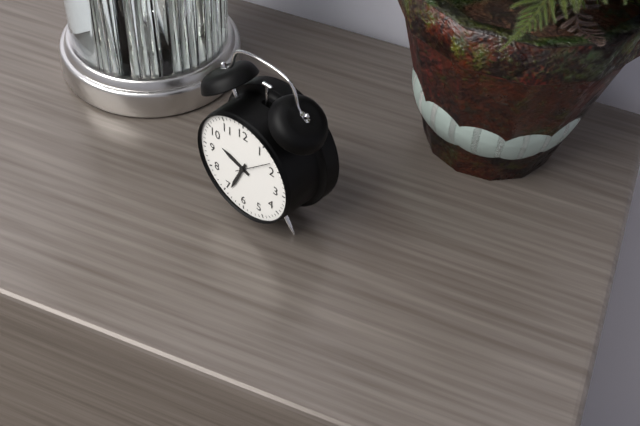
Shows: 9:34
